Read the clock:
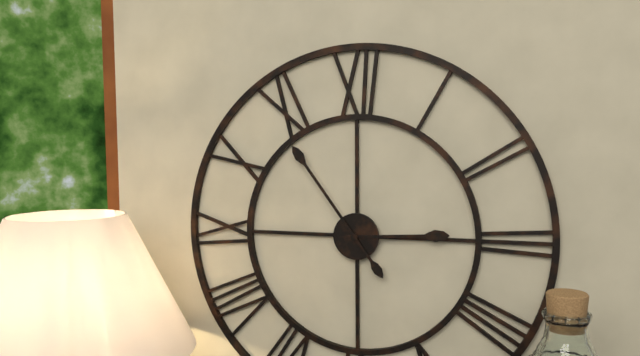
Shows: 2:54
